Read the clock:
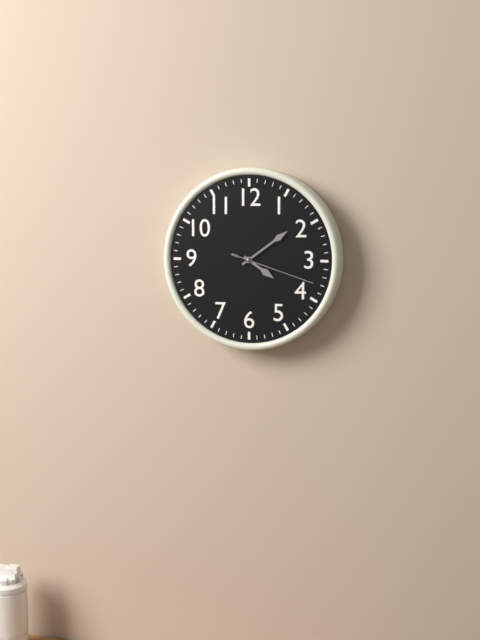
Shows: 4:09:18
